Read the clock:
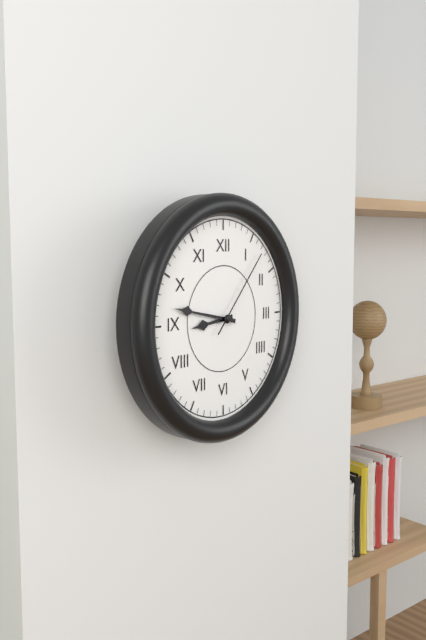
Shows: 8:47:07
